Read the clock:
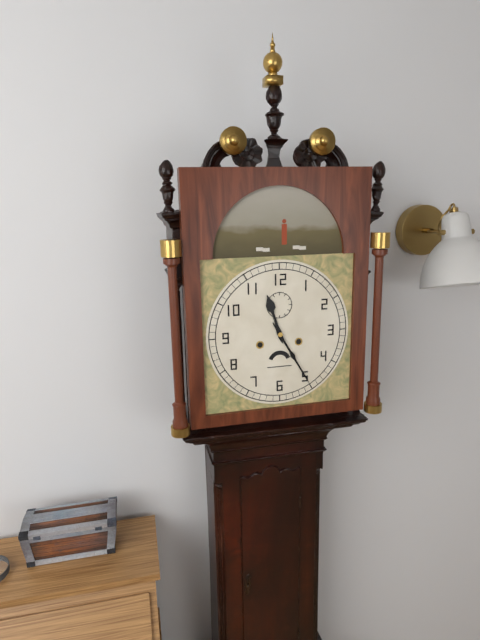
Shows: 11:25
